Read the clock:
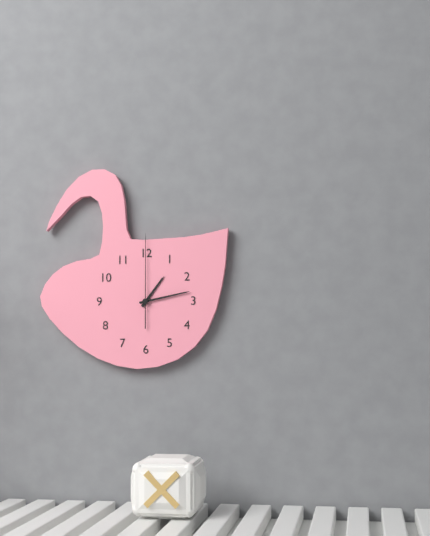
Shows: 1:13:00
